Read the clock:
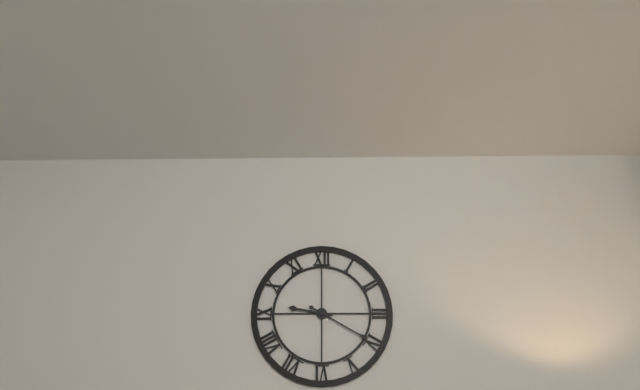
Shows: 9:20
